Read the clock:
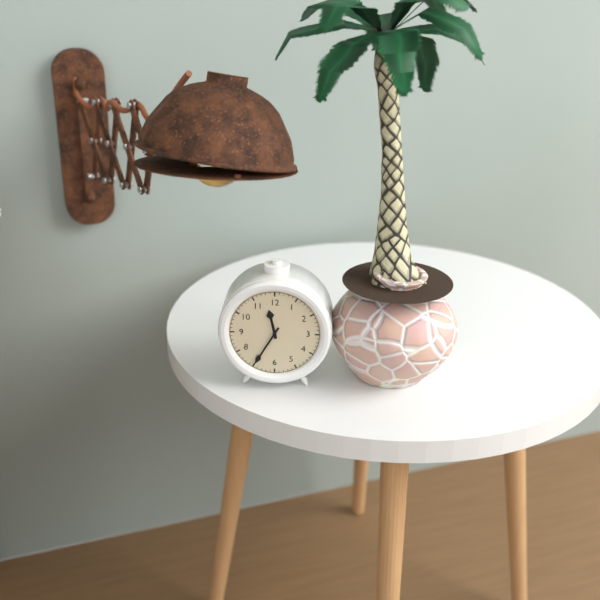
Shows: 11:35
